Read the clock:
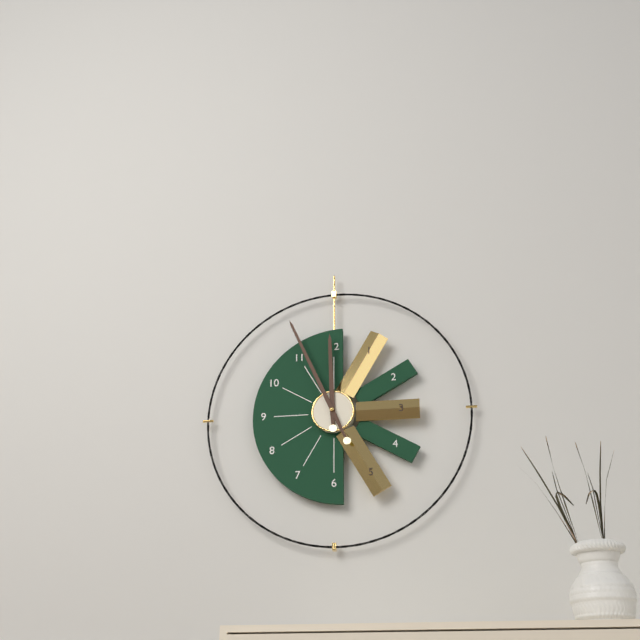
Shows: 11:56
